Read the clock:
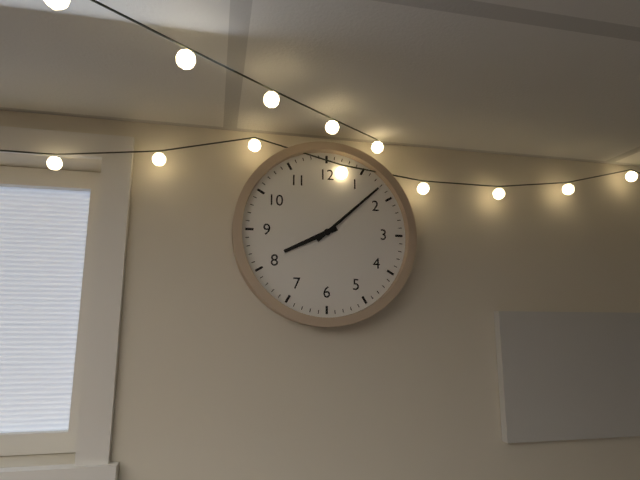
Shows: 8:08
